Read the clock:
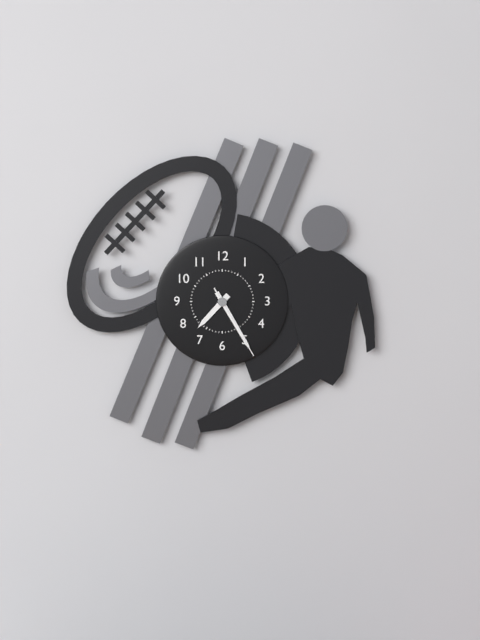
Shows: 7:25:25
